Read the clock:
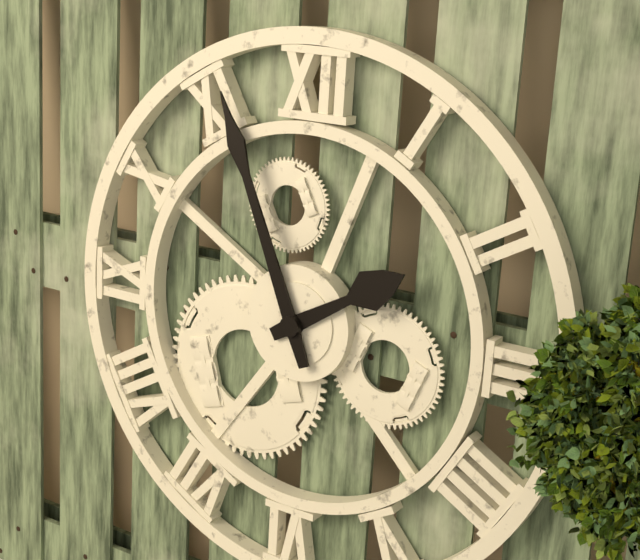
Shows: 1:56
